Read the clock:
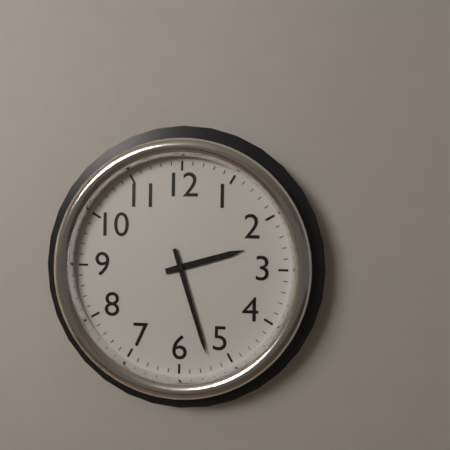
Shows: 2:27
